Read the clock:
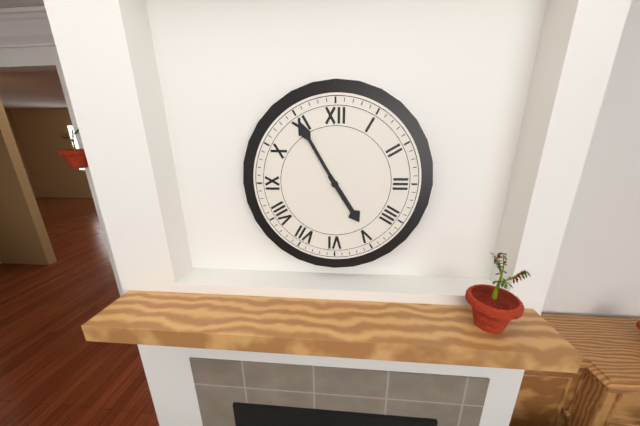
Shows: 4:55
